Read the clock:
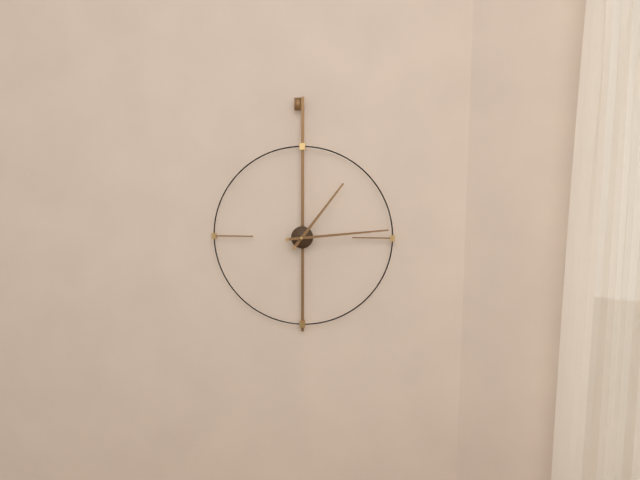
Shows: 1:14
